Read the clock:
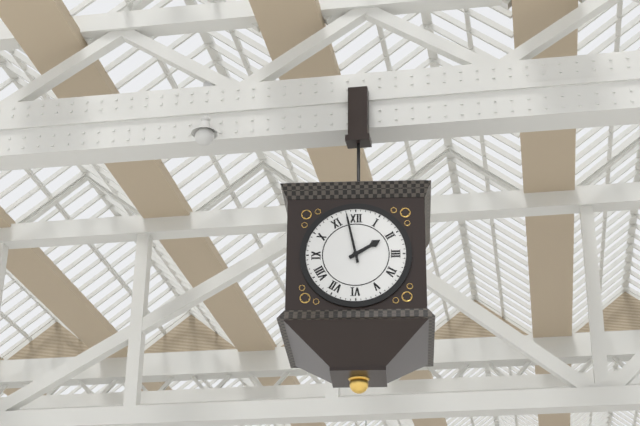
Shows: 1:58
